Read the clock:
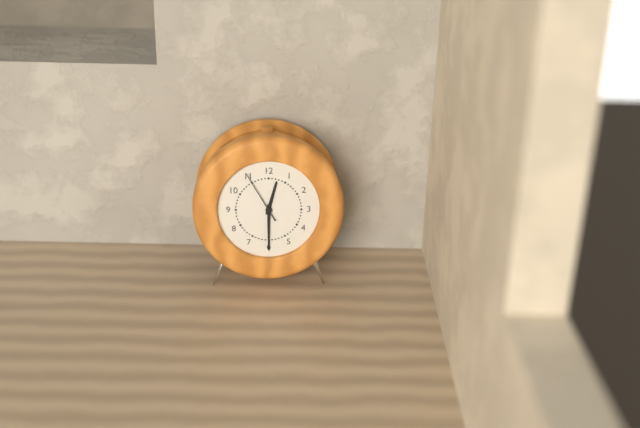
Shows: 12:30:55
